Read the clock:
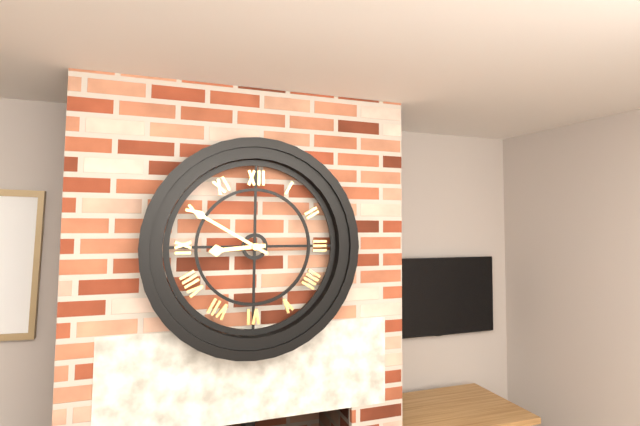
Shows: 8:50
